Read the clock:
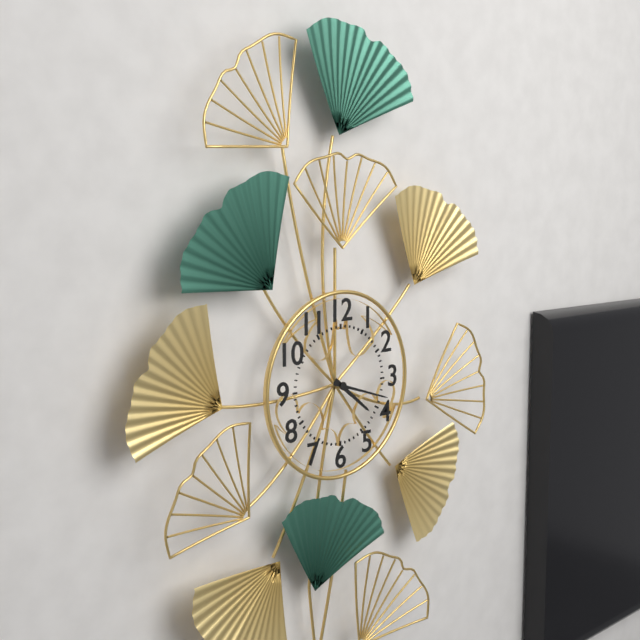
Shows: 4:18
